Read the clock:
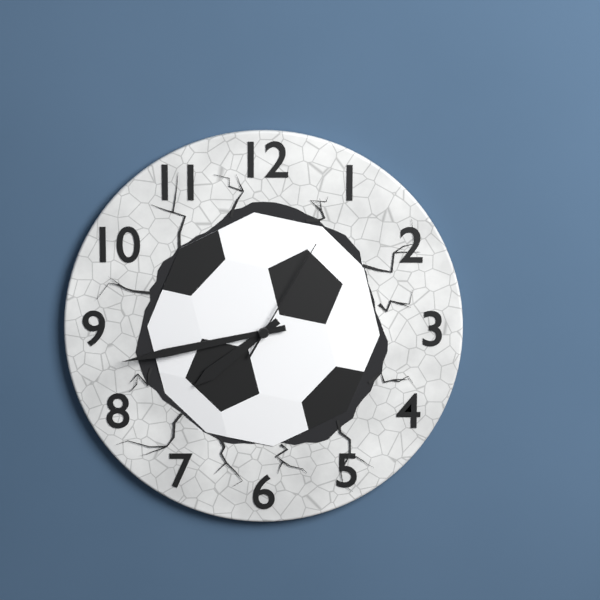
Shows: 7:43:05
